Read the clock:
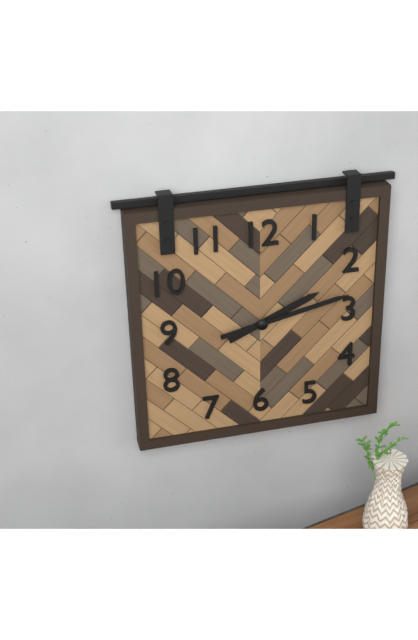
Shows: 2:13
